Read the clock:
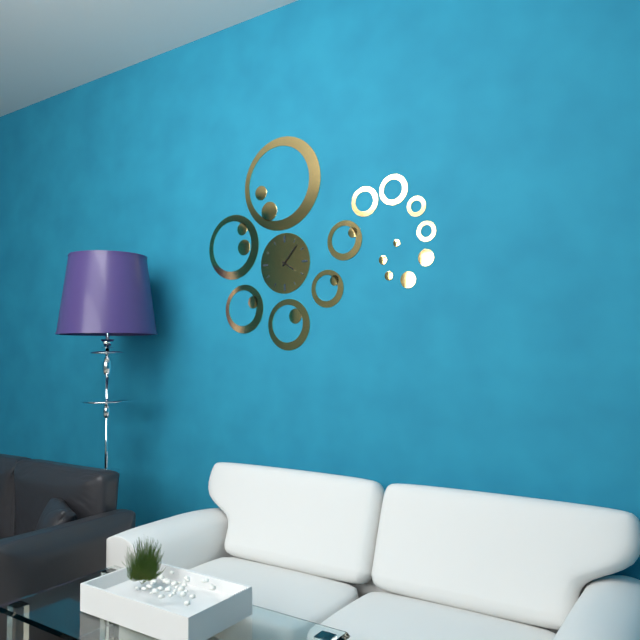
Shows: 4:07
